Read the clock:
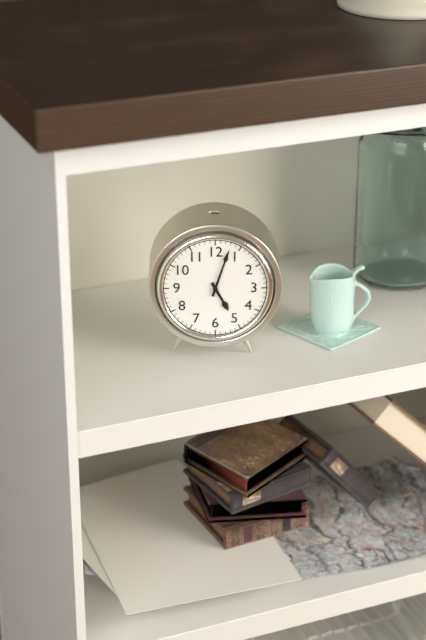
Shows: 5:03
